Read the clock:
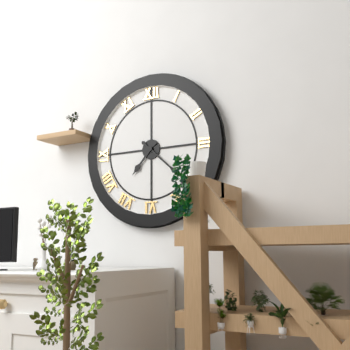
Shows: 7:22
